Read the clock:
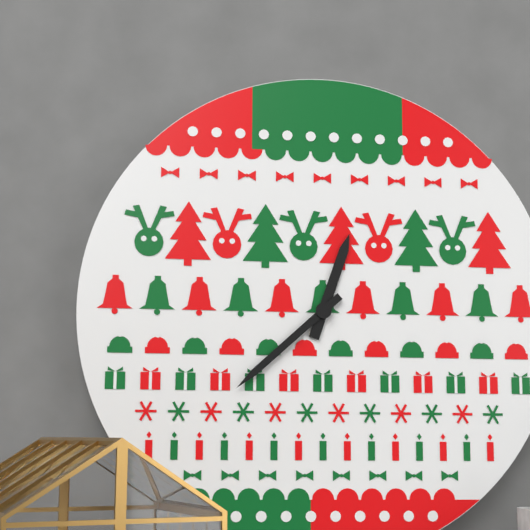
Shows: 12:38
